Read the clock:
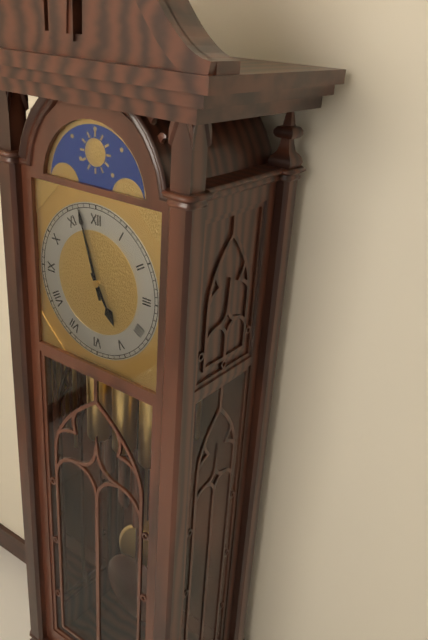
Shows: 4:57
